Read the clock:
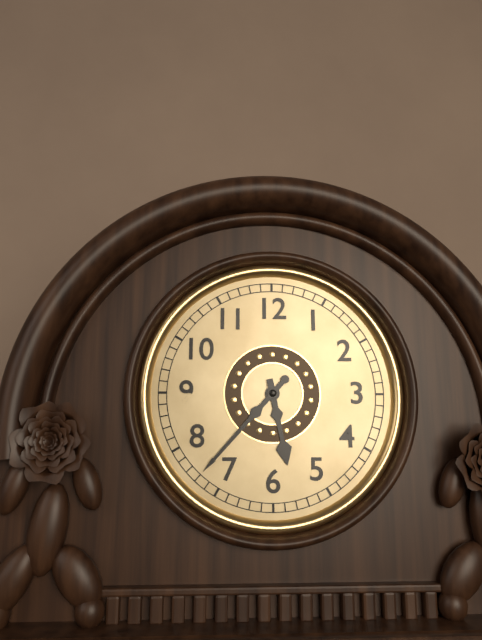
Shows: 5:37
